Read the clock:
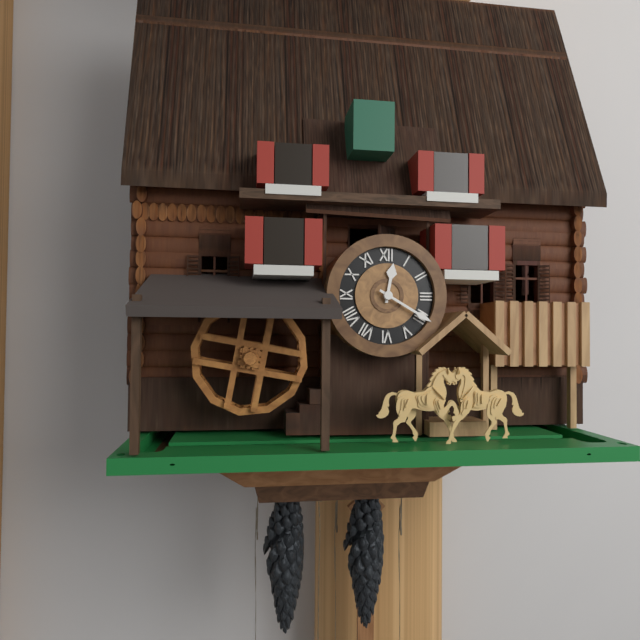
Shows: 12:20
